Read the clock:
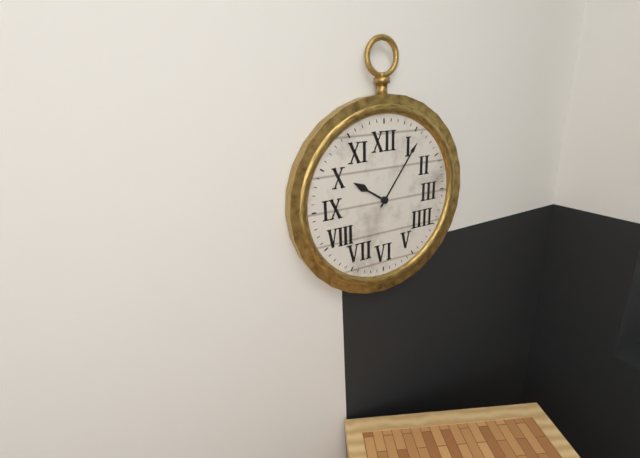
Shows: 10:06
